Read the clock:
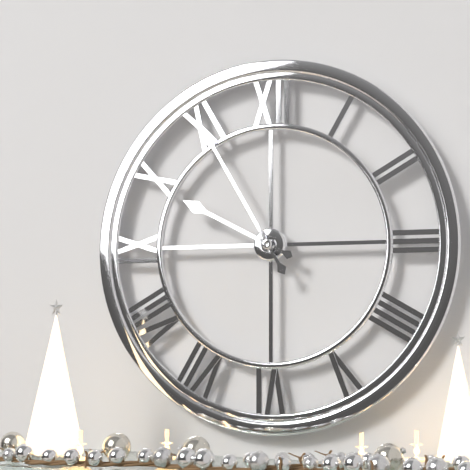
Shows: 9:55
